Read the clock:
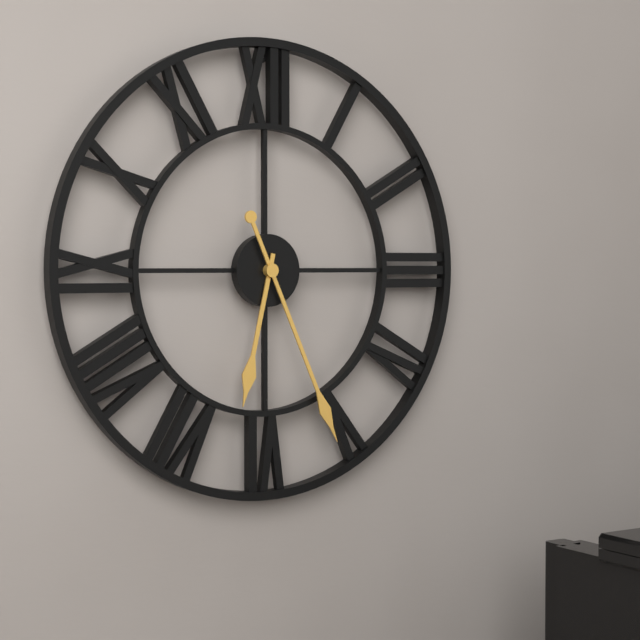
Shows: 6:26
